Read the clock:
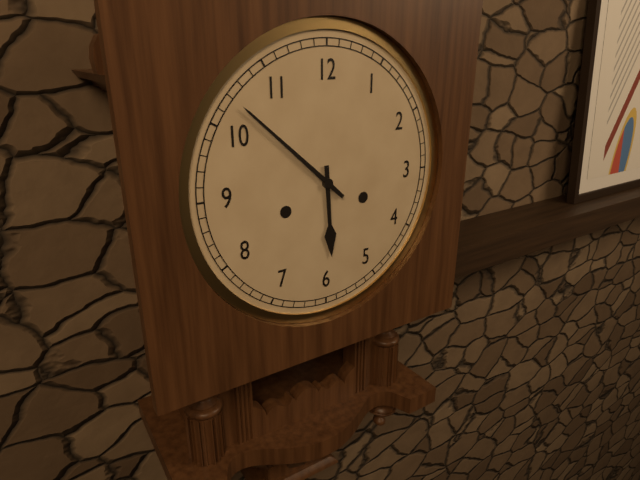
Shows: 5:52
